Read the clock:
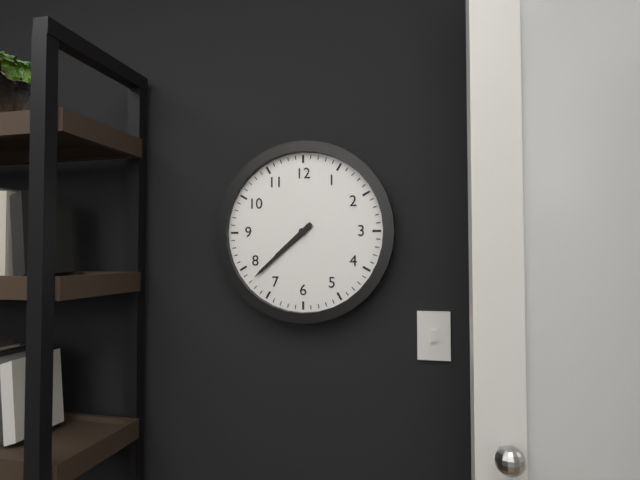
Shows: 7:38
